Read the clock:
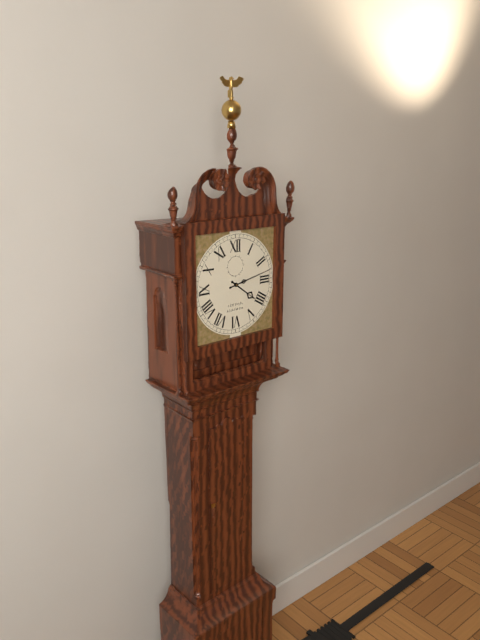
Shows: 4:13
